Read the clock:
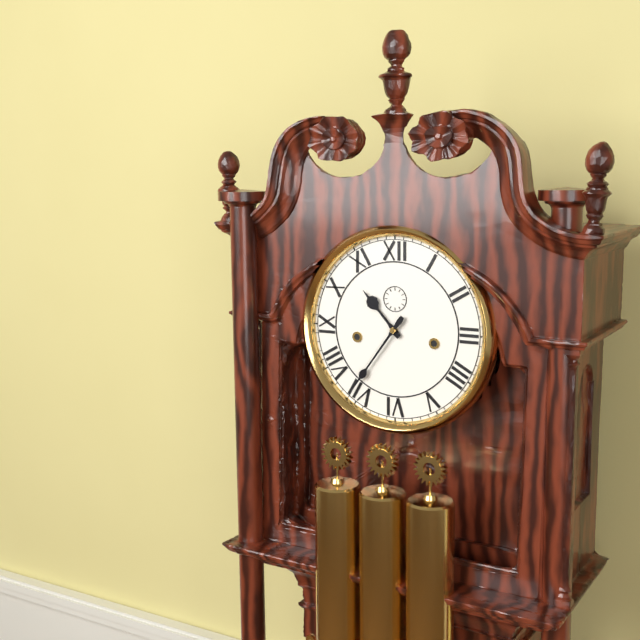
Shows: 10:36
